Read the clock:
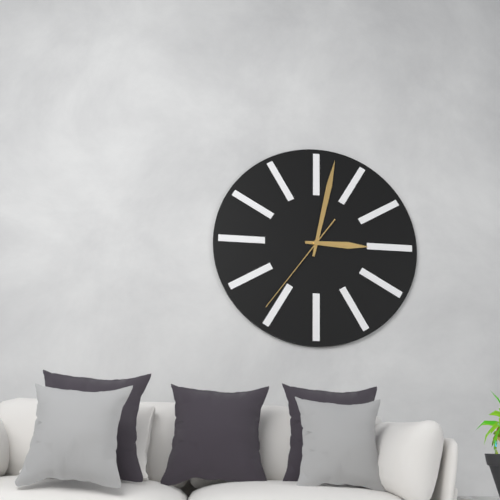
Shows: 3:02:36
